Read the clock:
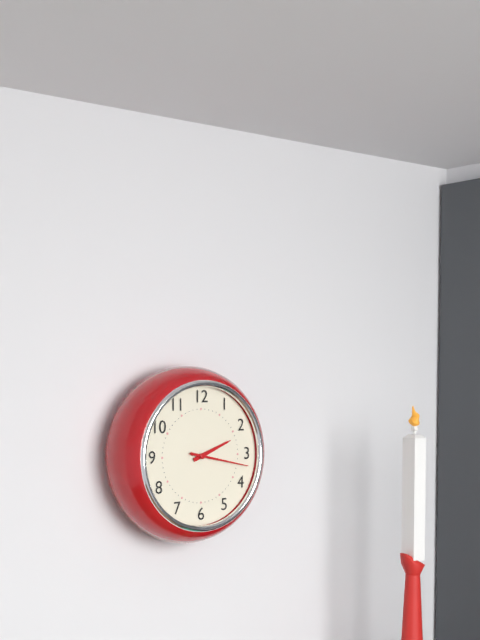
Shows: 2:17
